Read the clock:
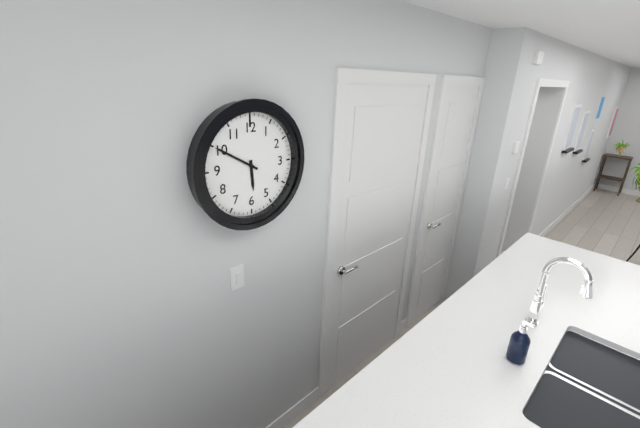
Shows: 5:50
